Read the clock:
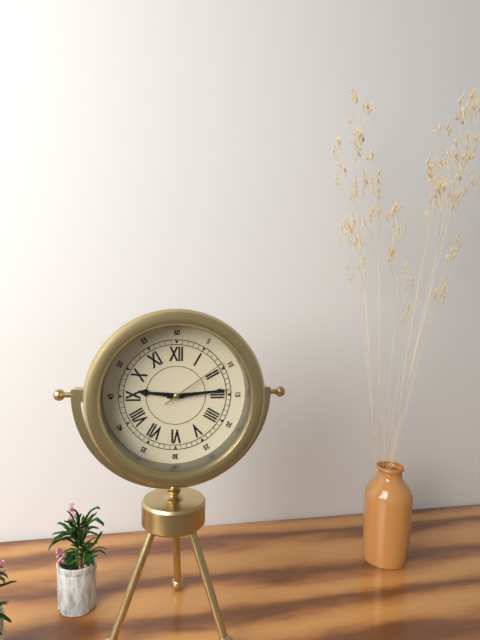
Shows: 9:14:09
